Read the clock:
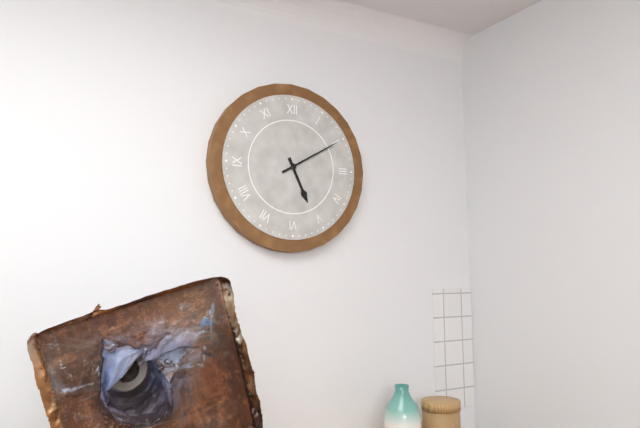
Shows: 5:10
